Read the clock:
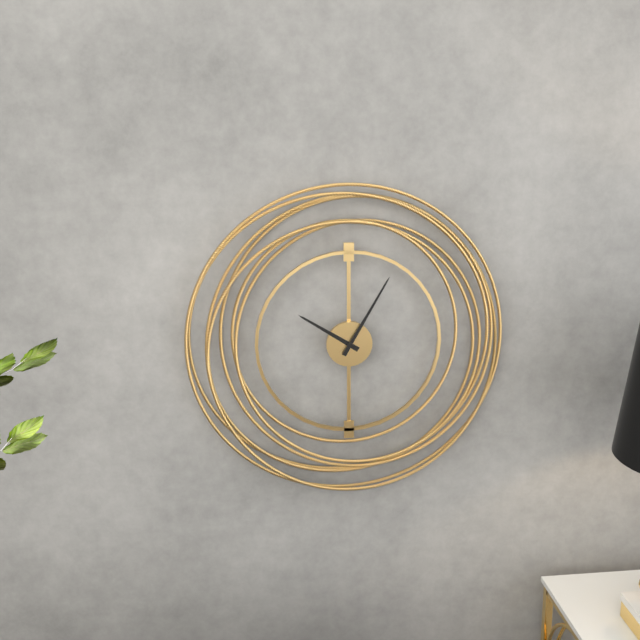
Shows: 10:05
